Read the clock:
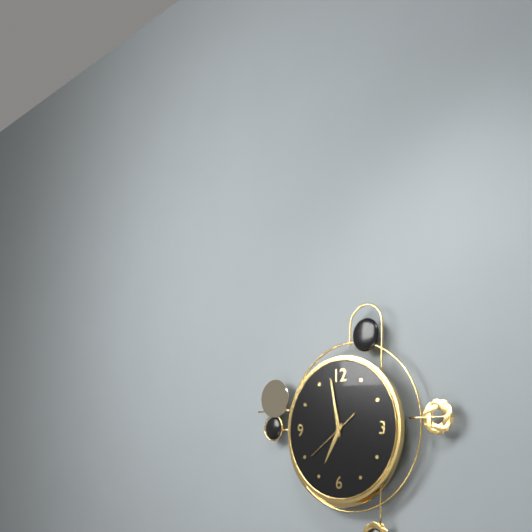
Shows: 6:58
